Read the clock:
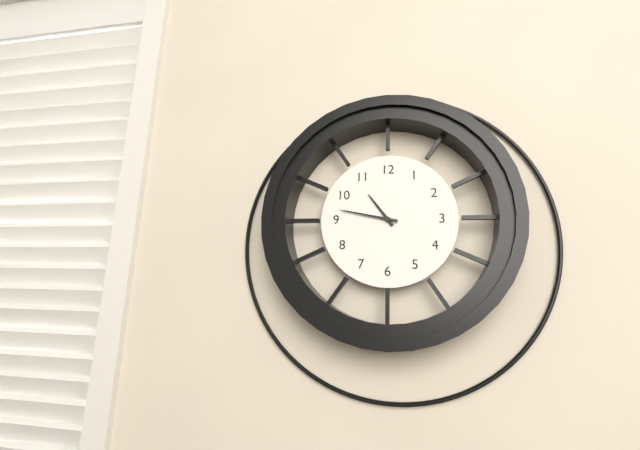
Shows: 10:47
